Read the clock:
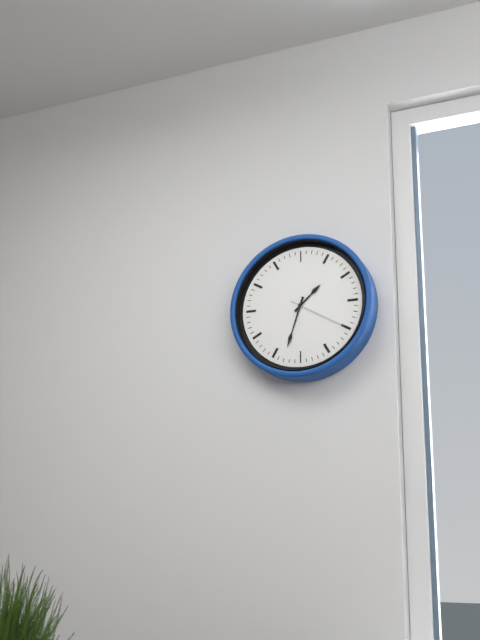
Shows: 1:33:20
